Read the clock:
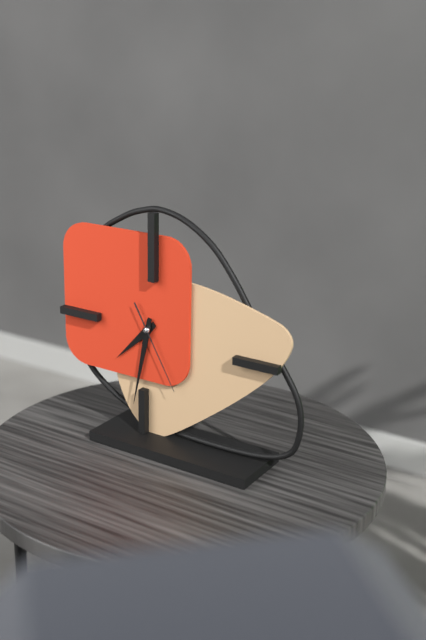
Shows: 7:32:25
